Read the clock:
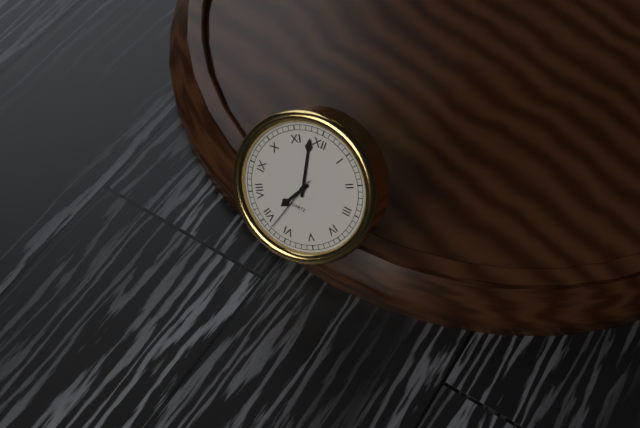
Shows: 6:58:33
